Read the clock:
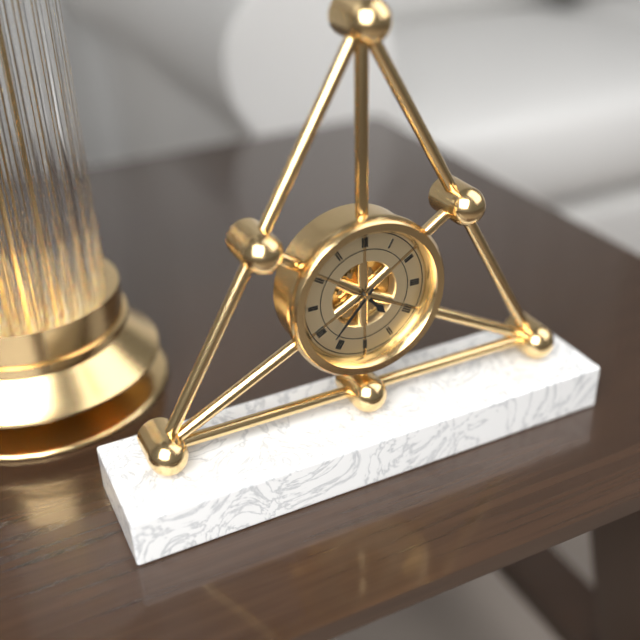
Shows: 4:37
